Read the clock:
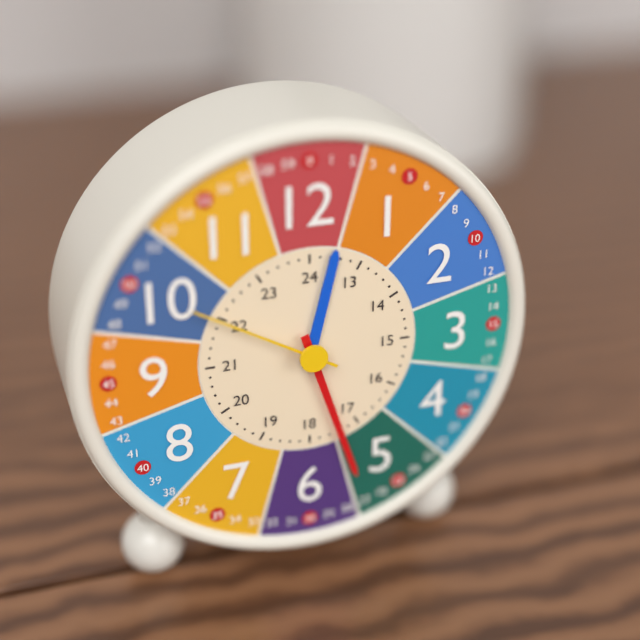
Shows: 12:27:50
